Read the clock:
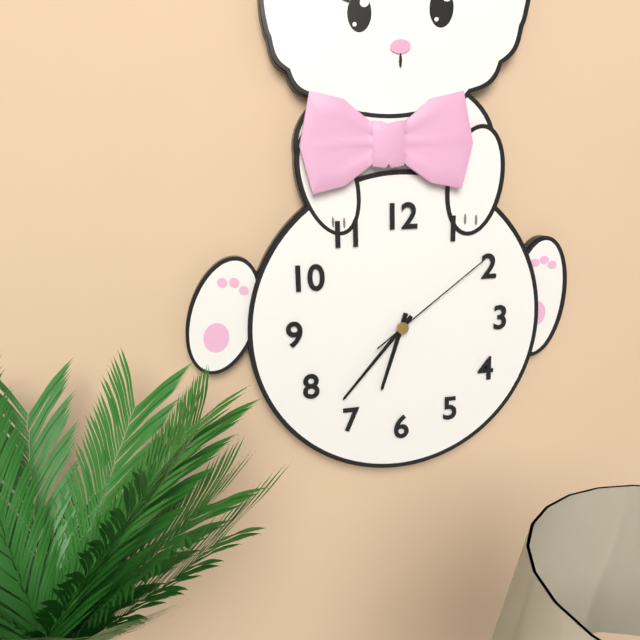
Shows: 6:37:09
